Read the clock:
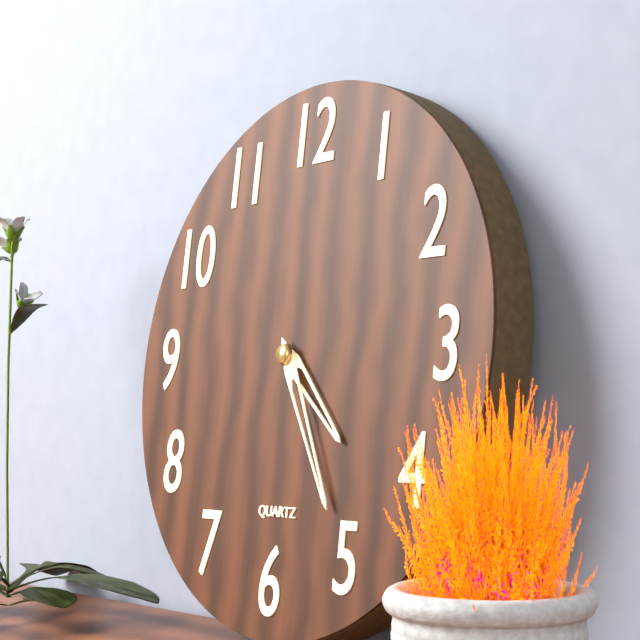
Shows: 4:25
